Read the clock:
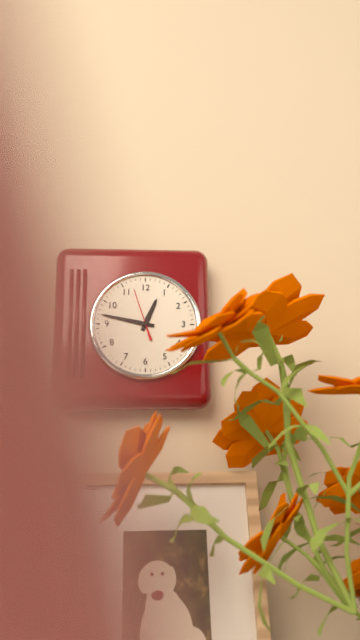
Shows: 12:47
